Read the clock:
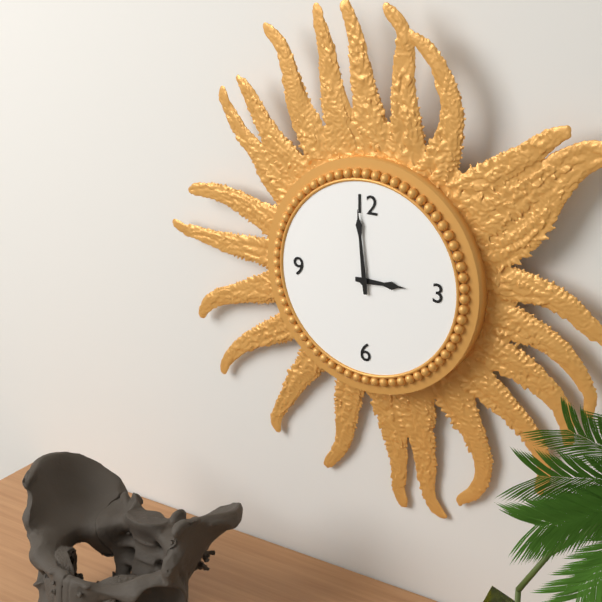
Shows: 2:59
